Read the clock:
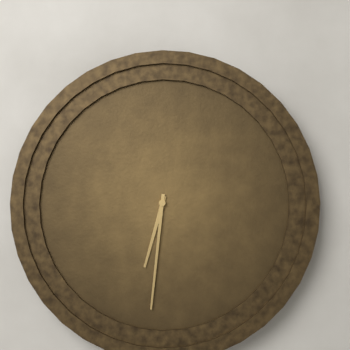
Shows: 6:31
